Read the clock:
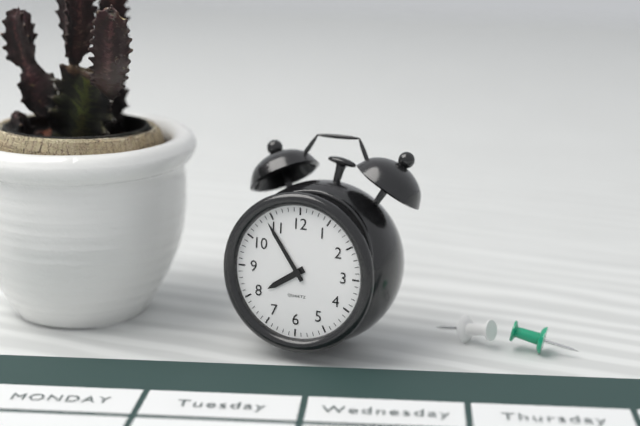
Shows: 7:54
